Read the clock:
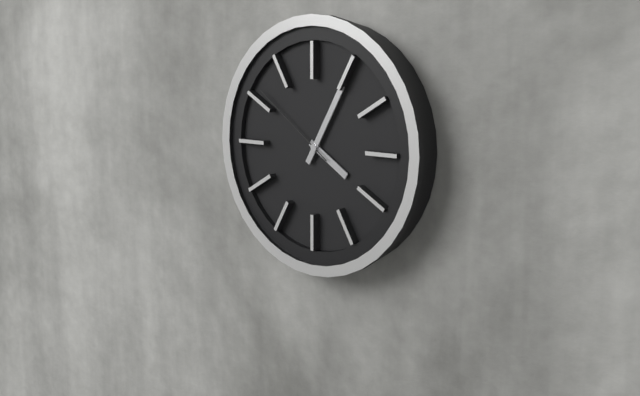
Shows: 4:05:51
